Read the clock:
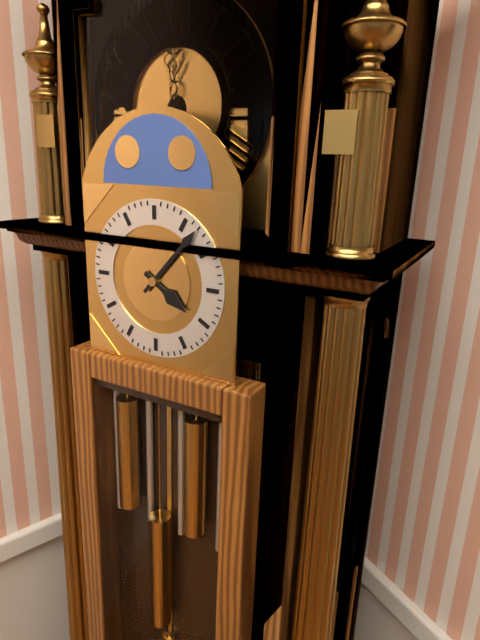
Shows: 4:07
